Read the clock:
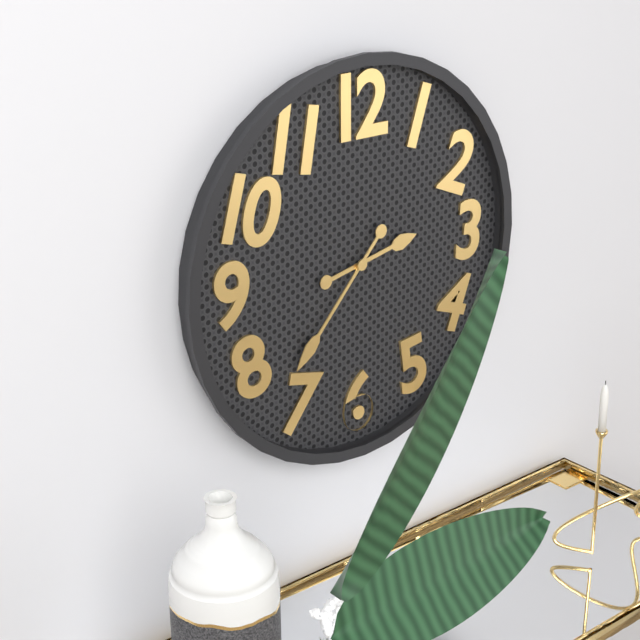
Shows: 2:37
